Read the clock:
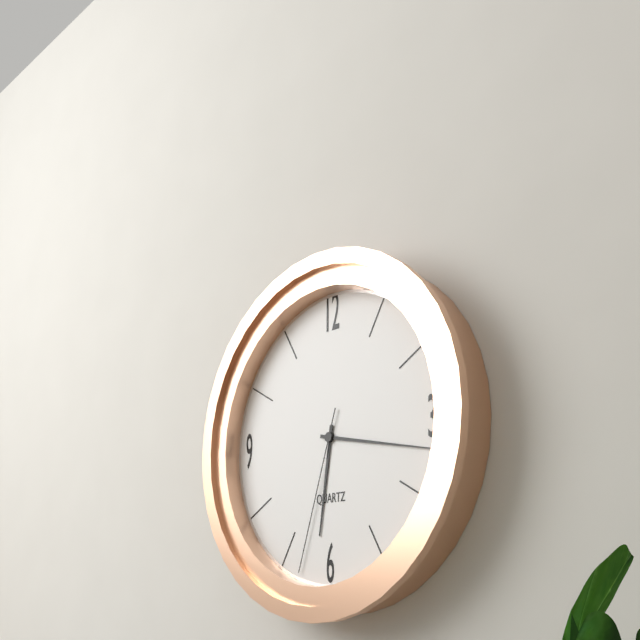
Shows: 6:17:33
